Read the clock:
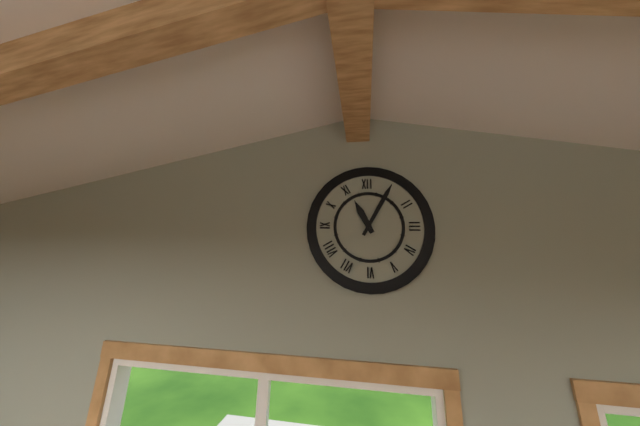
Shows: 11:05
